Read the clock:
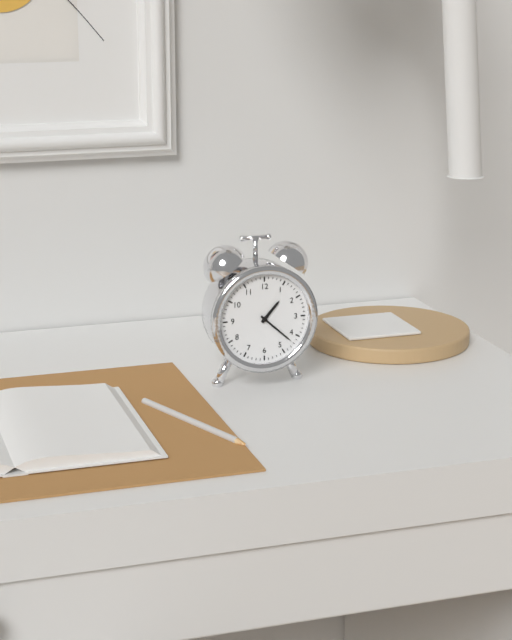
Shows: 1:22
